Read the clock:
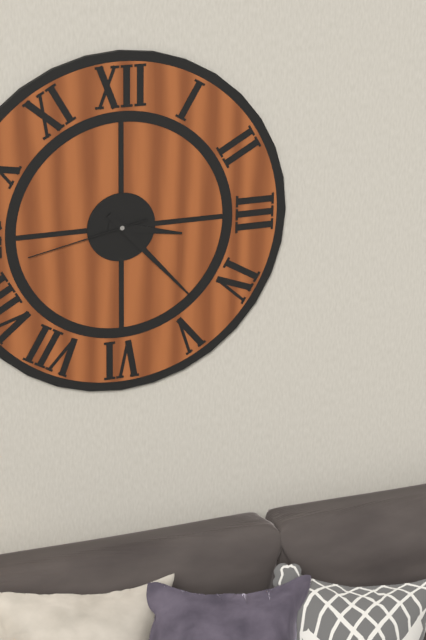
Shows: 3:23:43
